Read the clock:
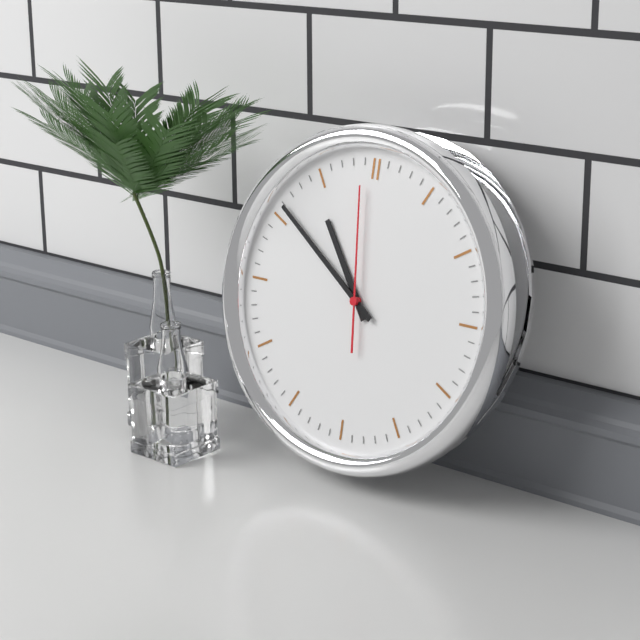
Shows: 10:51:59
